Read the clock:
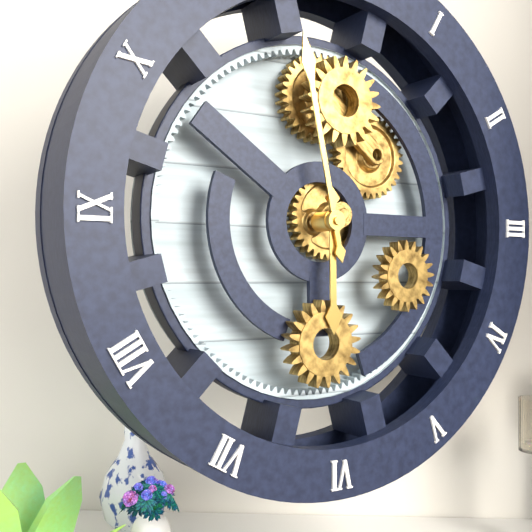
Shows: 5:58
